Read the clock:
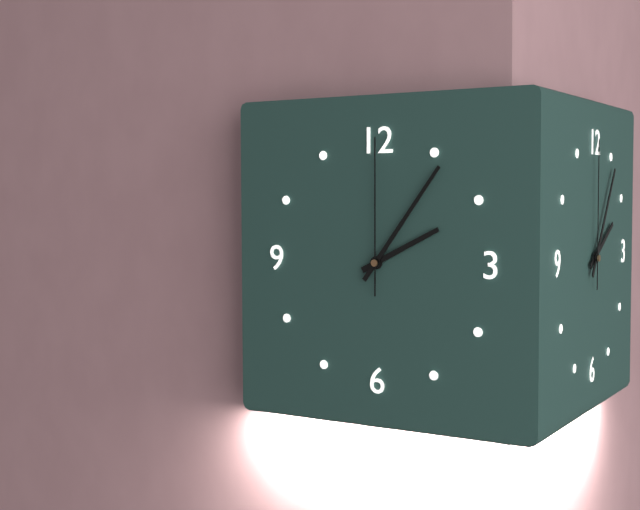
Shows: 2:06:00
